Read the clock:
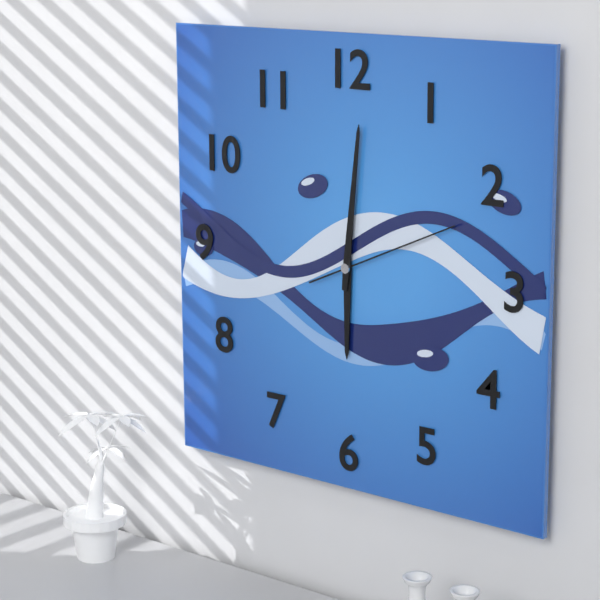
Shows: 6:01:11
